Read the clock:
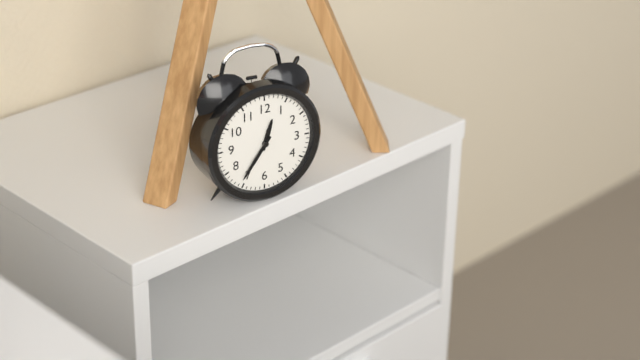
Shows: 12:36
